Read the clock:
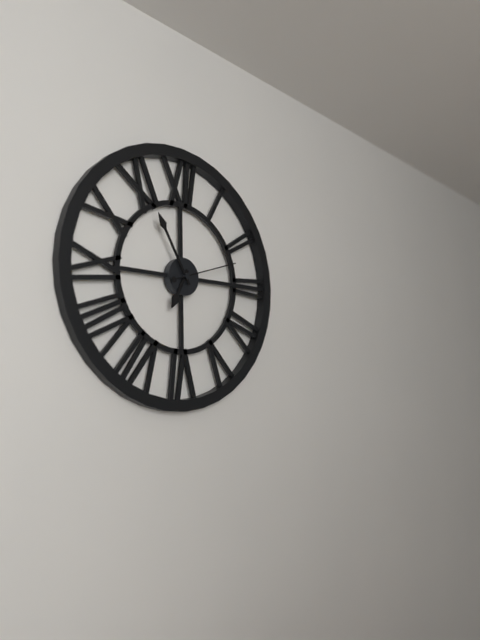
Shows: 6:55:12
